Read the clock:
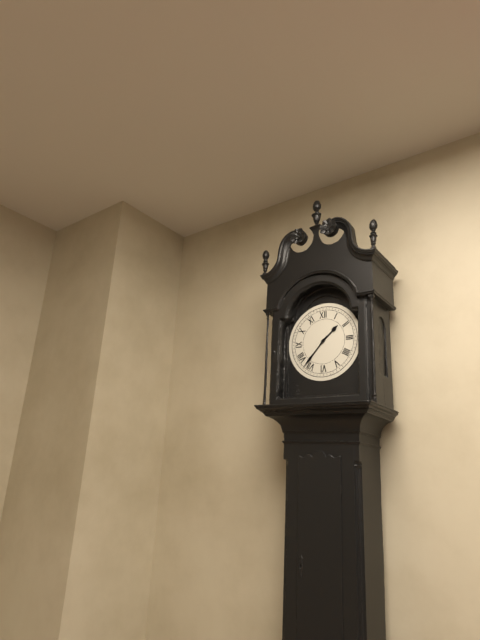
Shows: 1:37
